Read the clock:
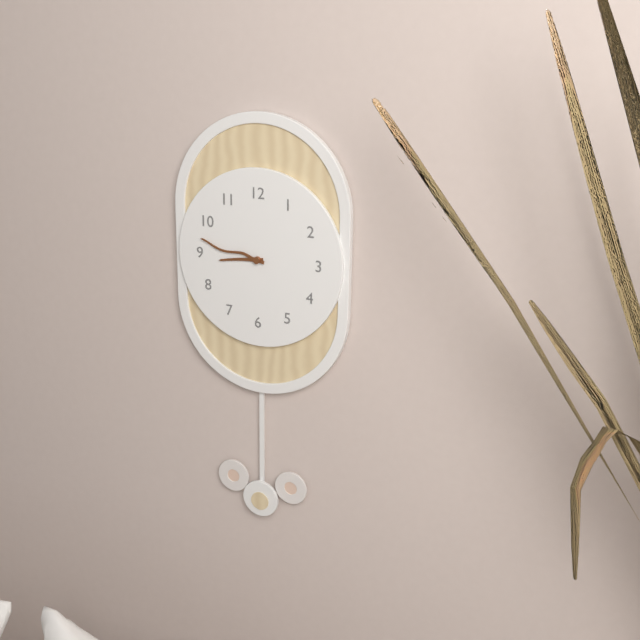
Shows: 8:47
